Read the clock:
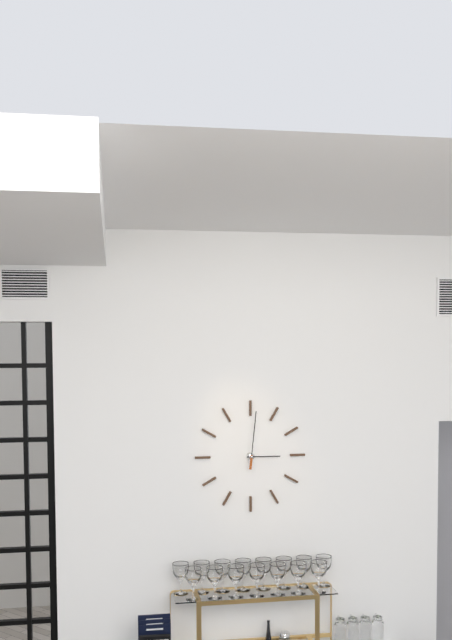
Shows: 3:01
